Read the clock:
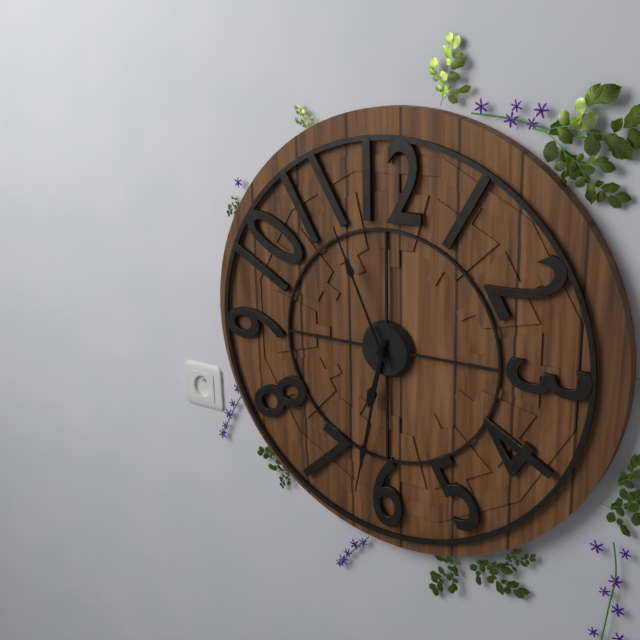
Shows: 6:32:56
